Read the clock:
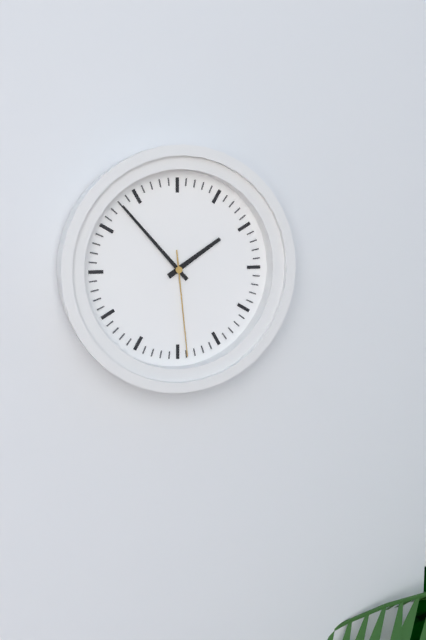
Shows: 1:53:29
